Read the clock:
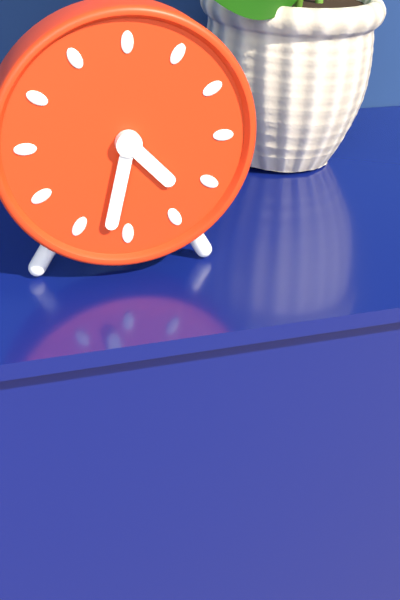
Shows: 4:32
